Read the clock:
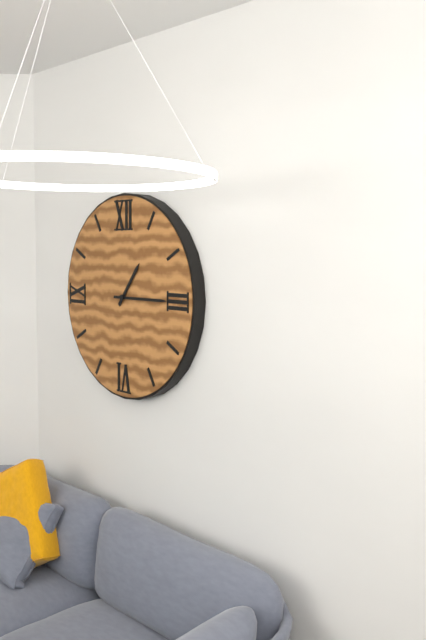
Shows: 1:15
